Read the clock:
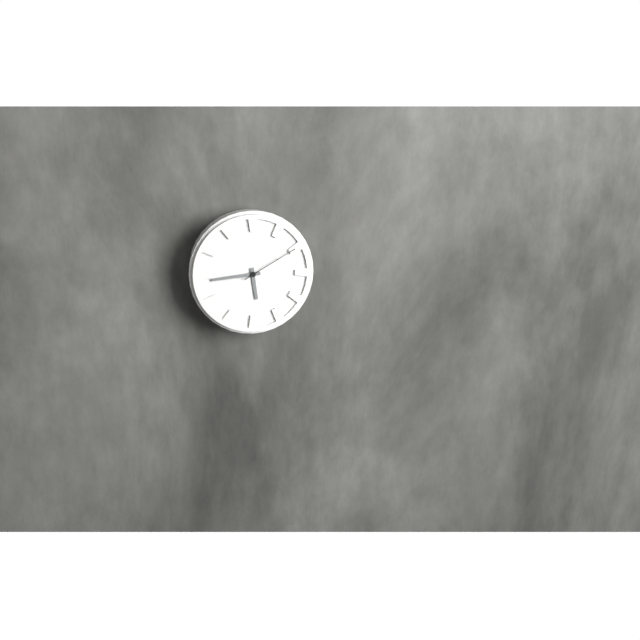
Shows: 5:44:10
